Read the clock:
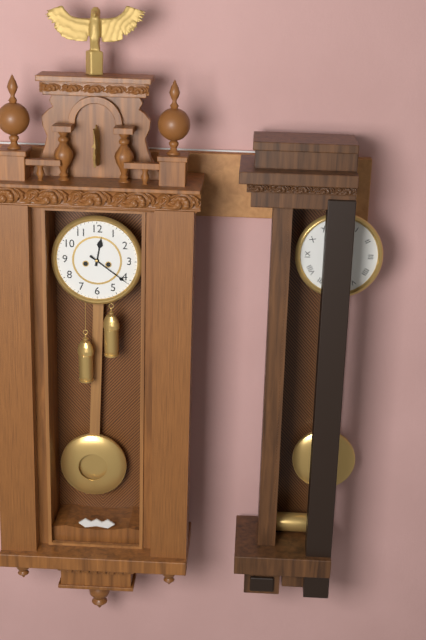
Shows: 12:21
